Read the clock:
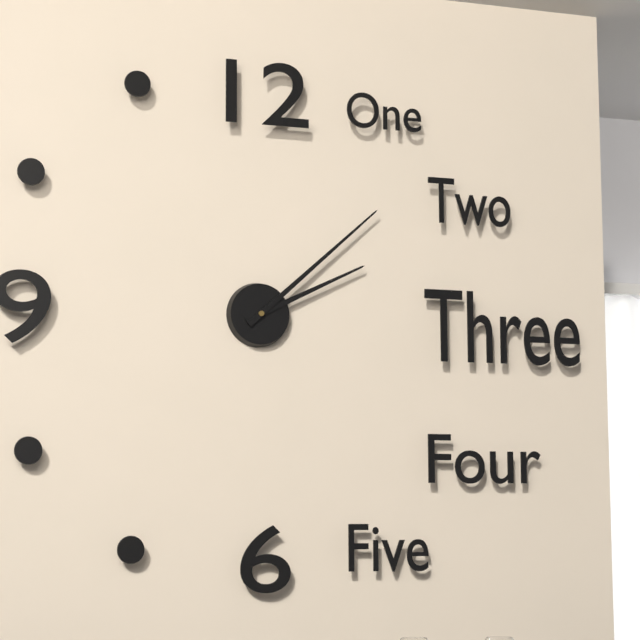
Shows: 2:08
